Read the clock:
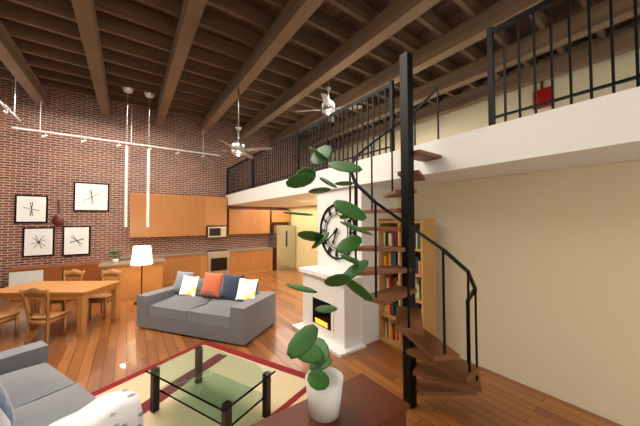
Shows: 6:39
